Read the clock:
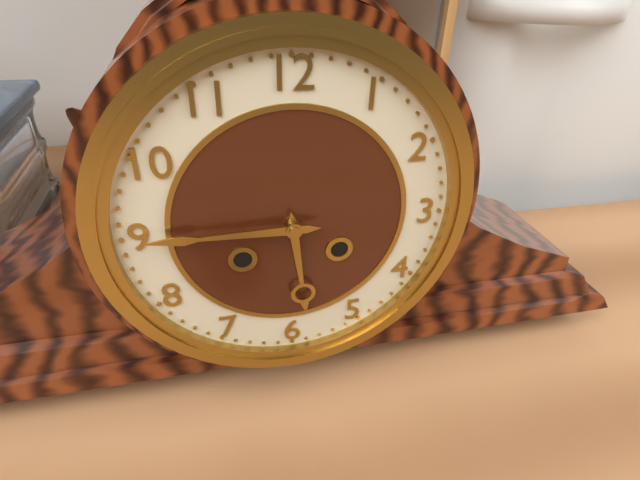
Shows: 5:45
